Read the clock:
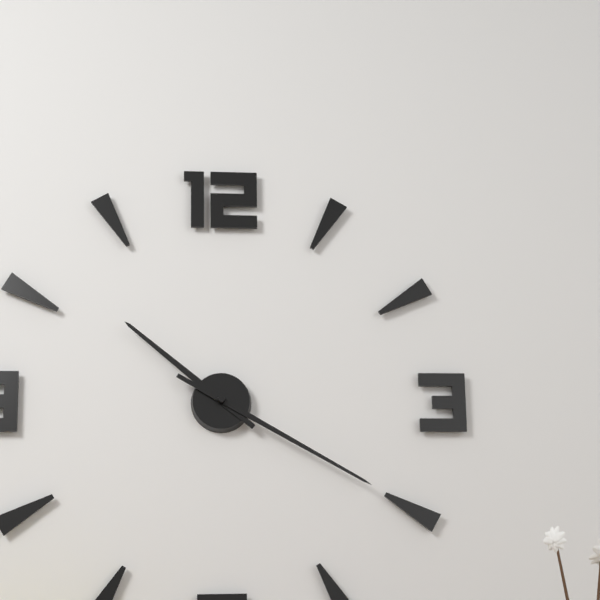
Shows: 10:20
